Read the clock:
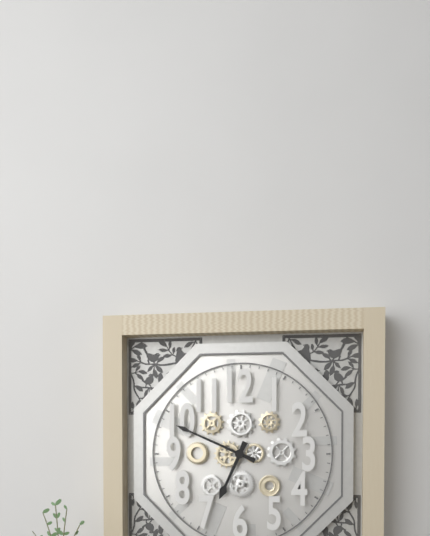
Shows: 6:49
